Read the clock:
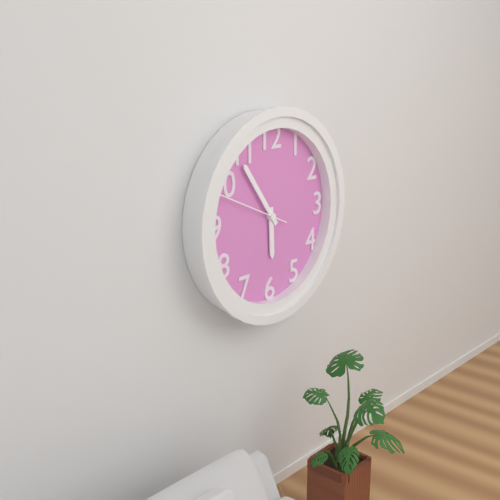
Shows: 5:54:49
